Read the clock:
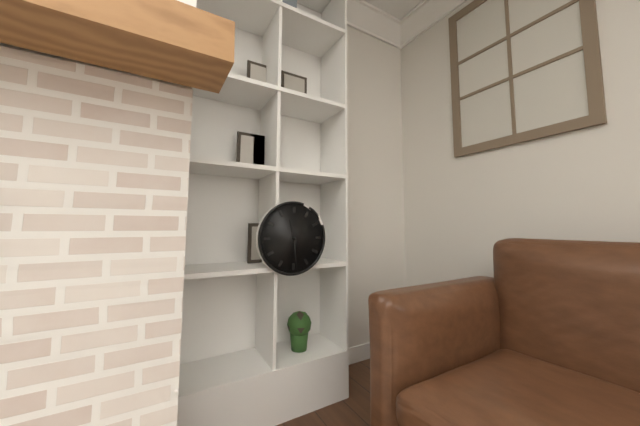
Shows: 11:29
